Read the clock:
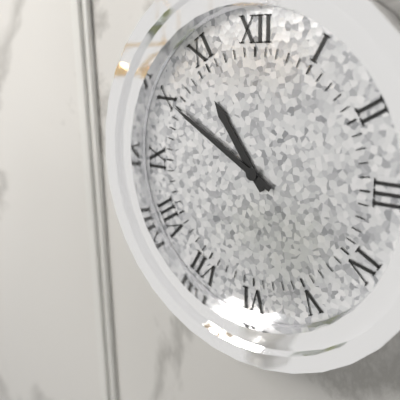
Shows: 10:50
